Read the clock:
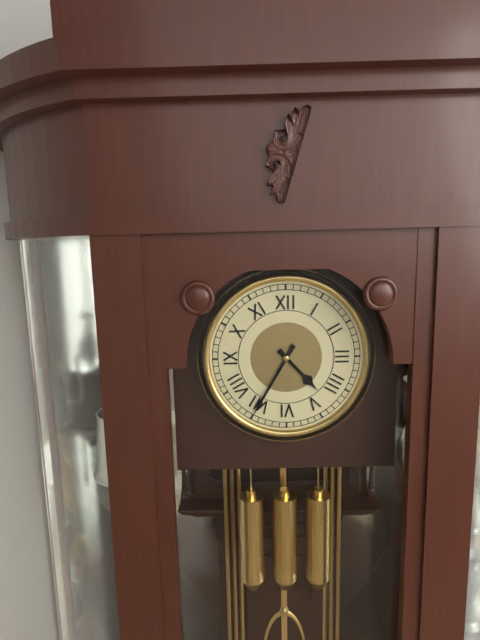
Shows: 4:35
